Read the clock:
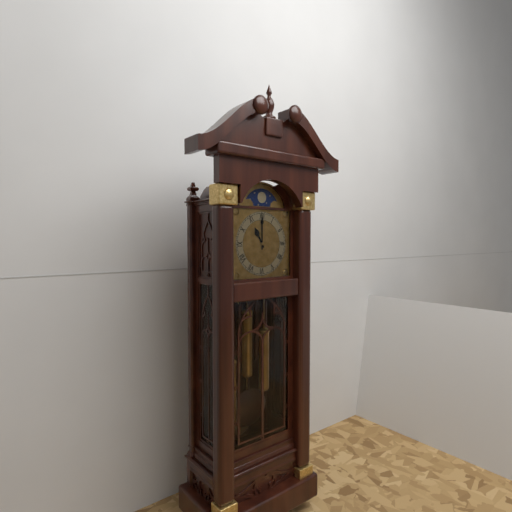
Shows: 11:00
